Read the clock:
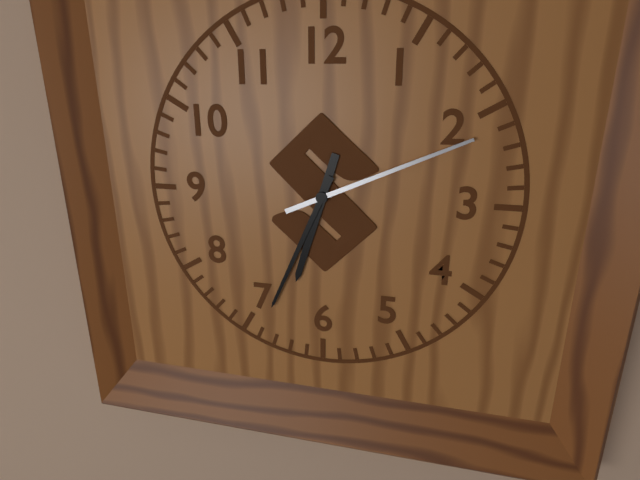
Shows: 6:34:11
